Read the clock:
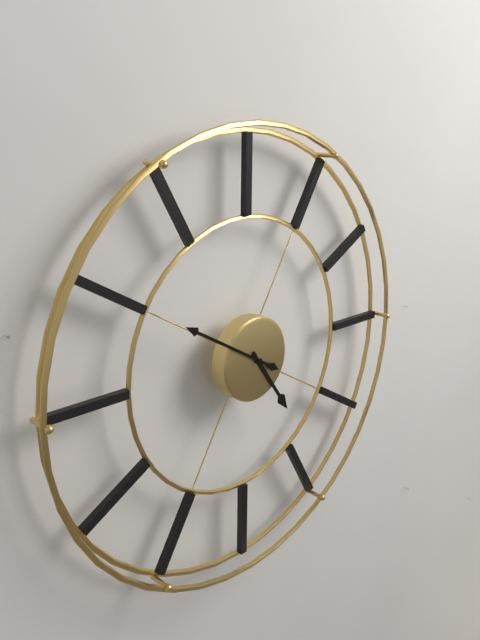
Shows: 4:50
